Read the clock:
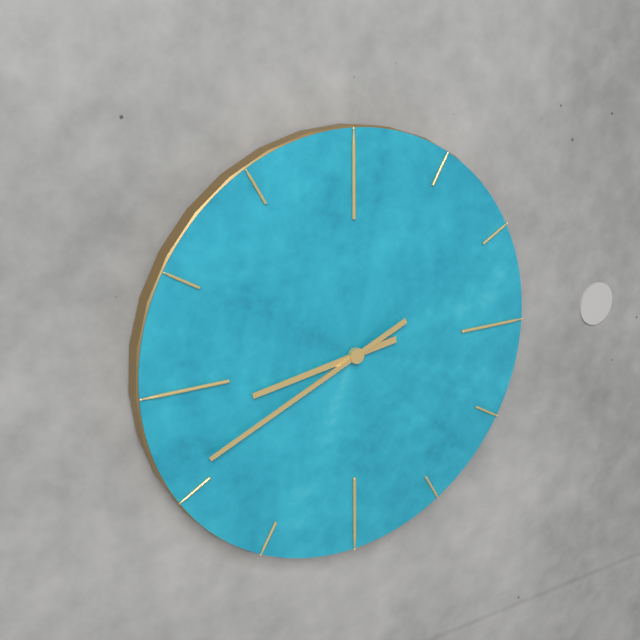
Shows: 8:41
